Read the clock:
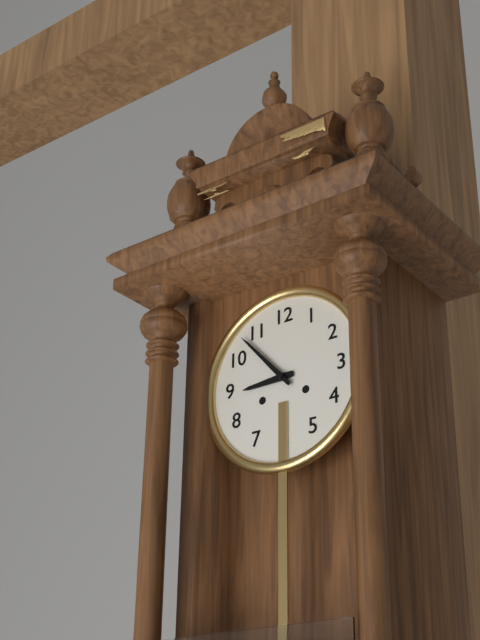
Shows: 8:53
